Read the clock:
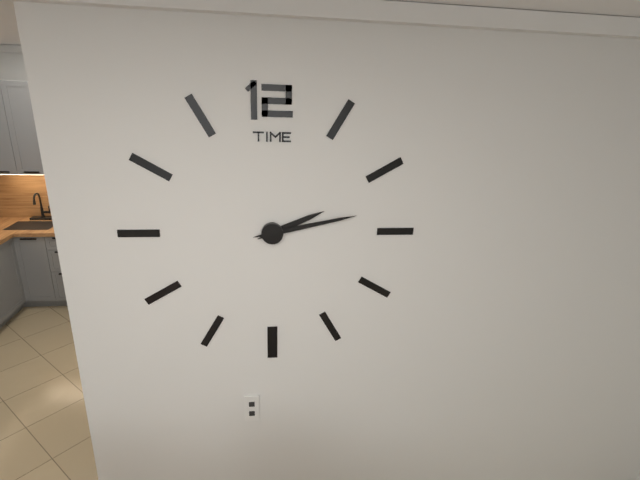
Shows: 2:13
